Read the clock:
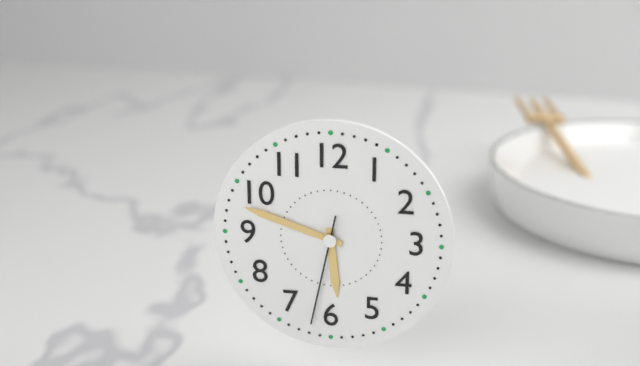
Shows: 5:48:32
